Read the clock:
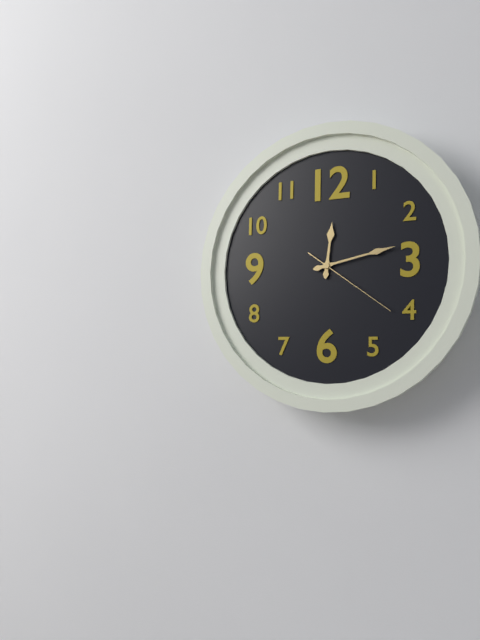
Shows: 12:13:21
